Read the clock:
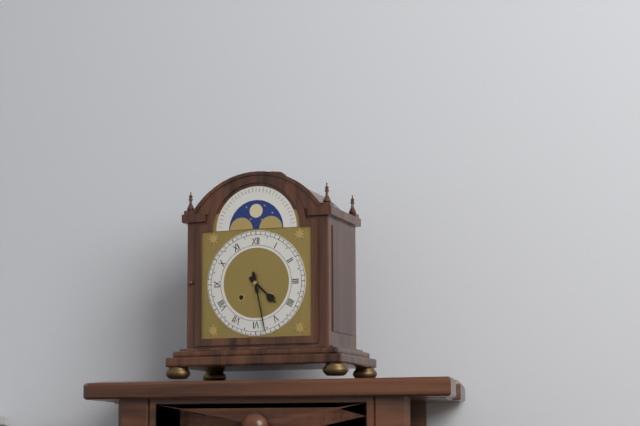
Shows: 4:28
